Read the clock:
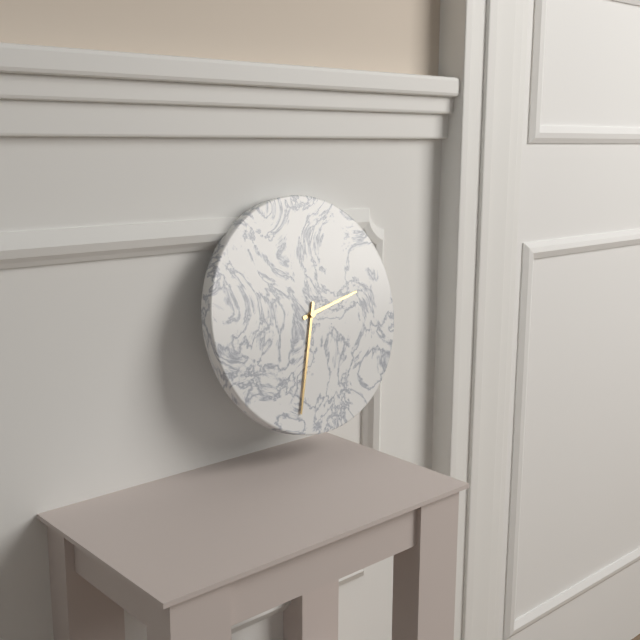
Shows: 2:33
